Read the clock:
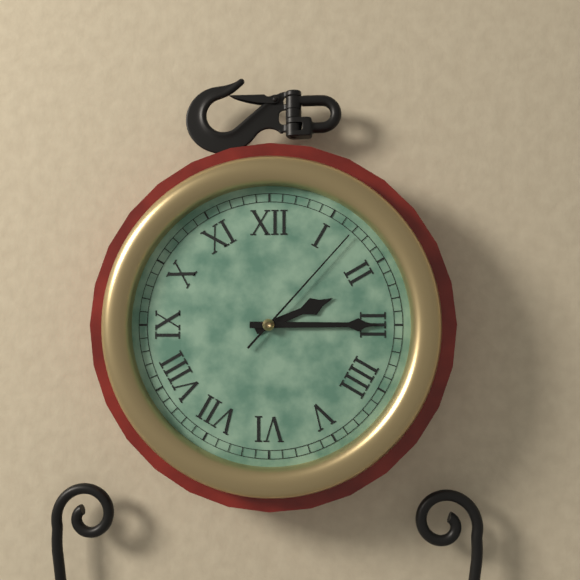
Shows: 2:15:07
